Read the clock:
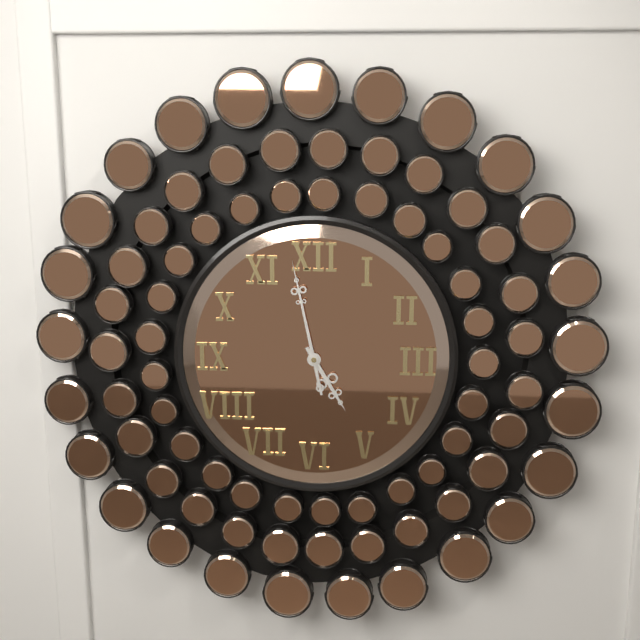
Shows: 4:58
